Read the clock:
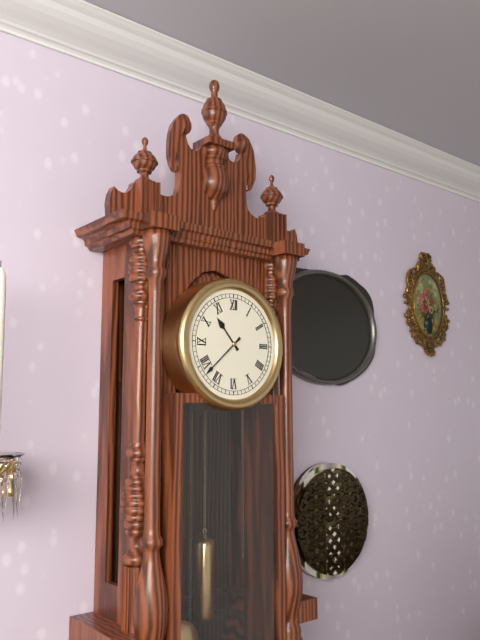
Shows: 10:38
